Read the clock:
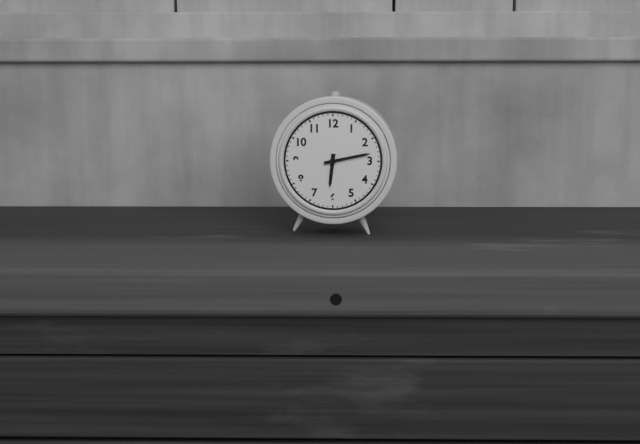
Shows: 6:13
